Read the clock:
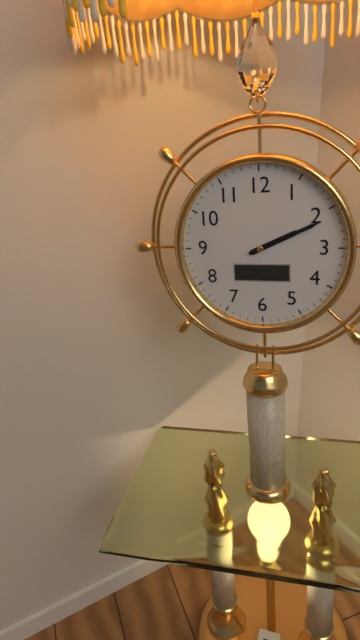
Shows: 2:11
